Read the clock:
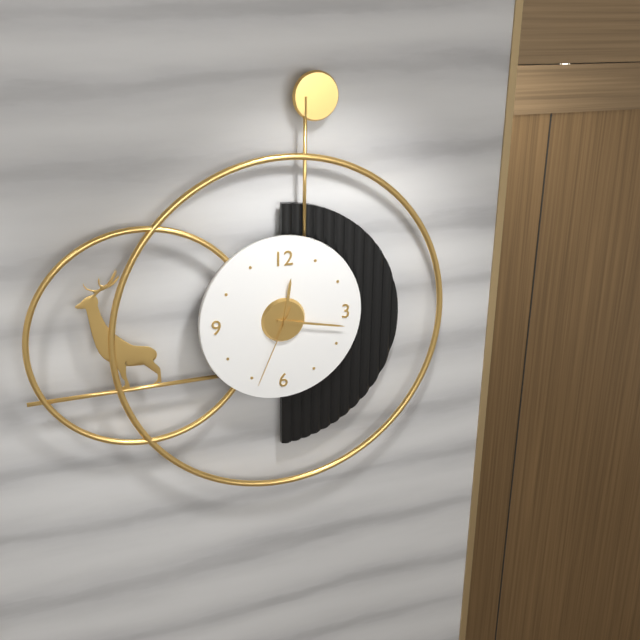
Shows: 12:17:34
